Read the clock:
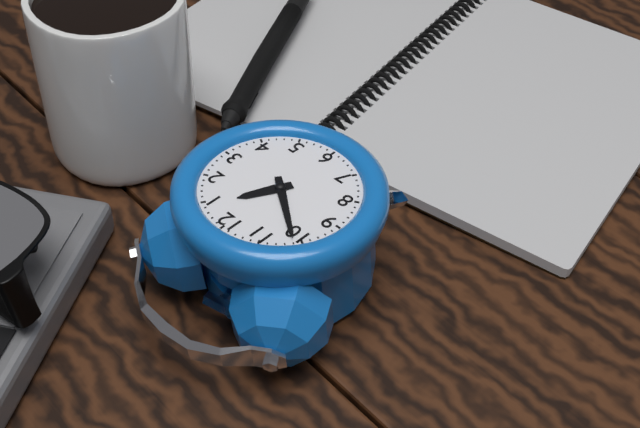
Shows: 12:51
